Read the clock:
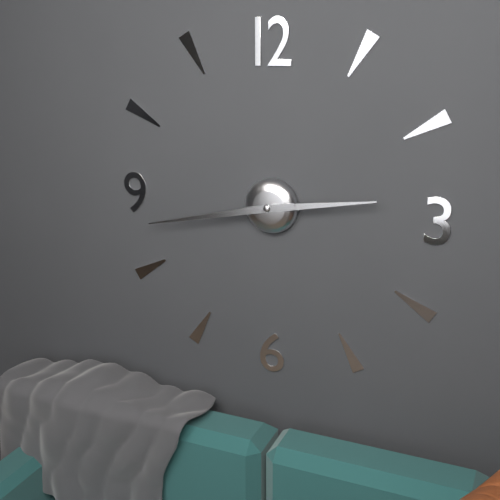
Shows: 2:43
